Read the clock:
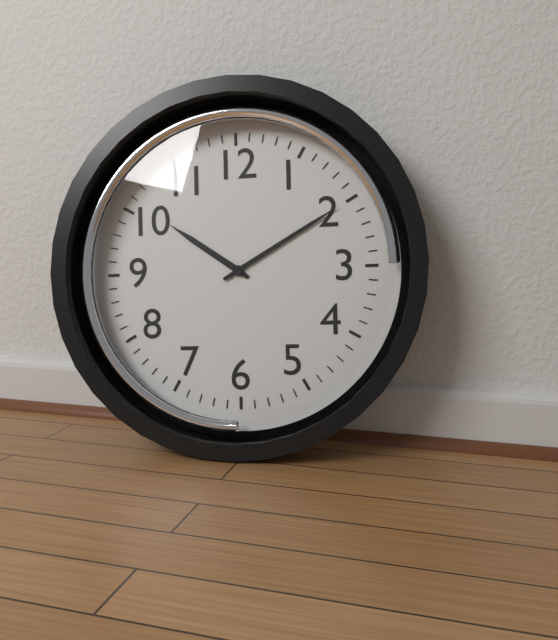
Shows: 10:10
